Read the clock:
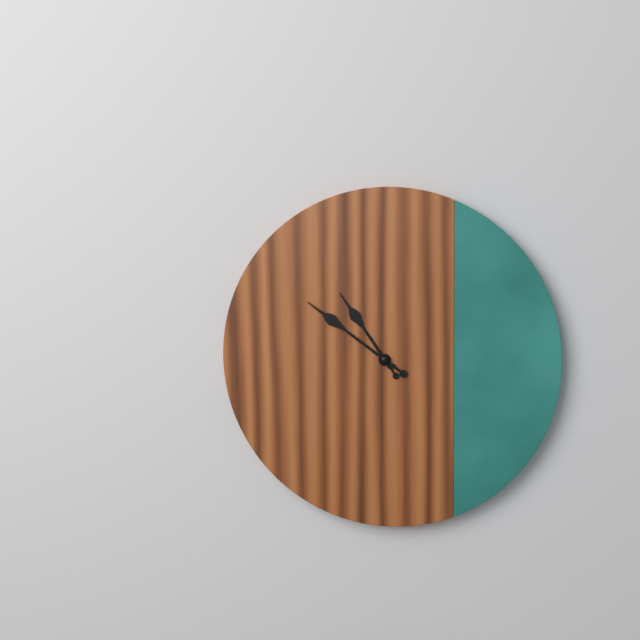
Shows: 10:51
